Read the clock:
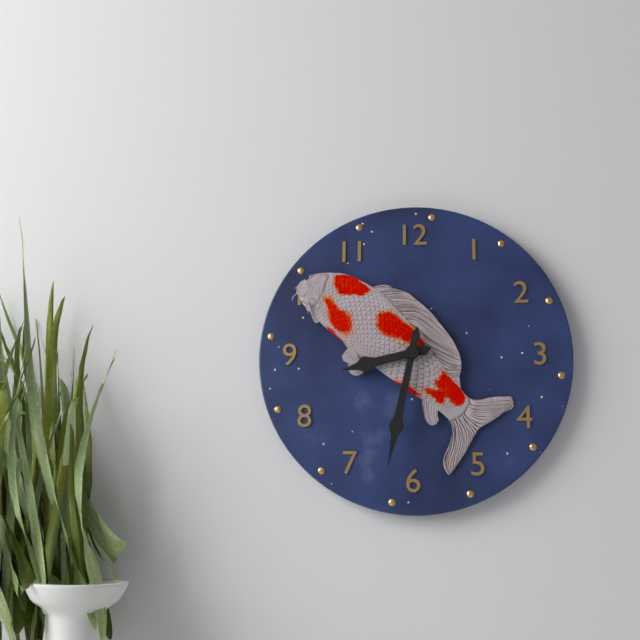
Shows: 8:32
